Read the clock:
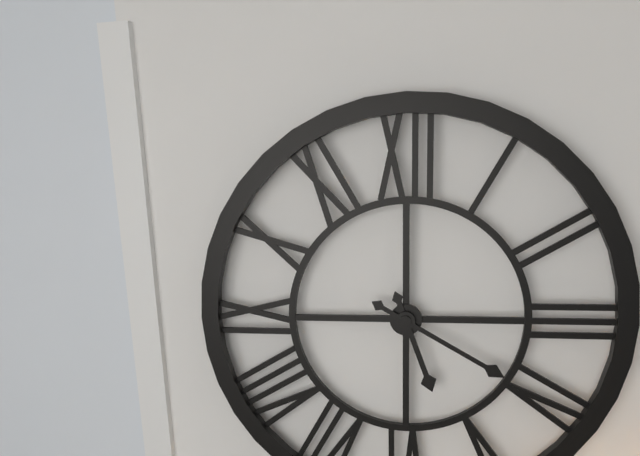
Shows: 5:20
